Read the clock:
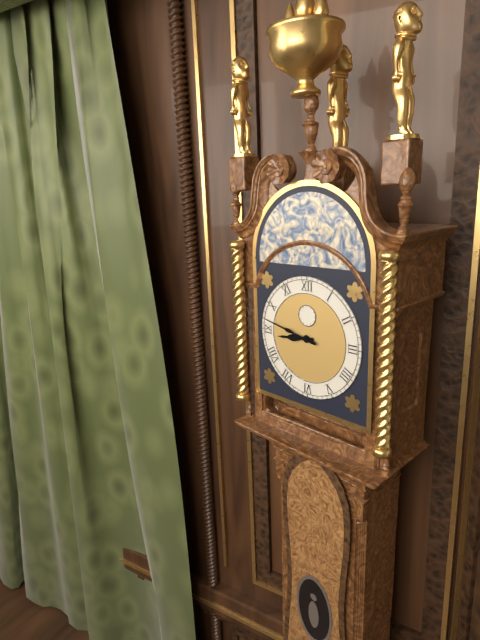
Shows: 8:47
